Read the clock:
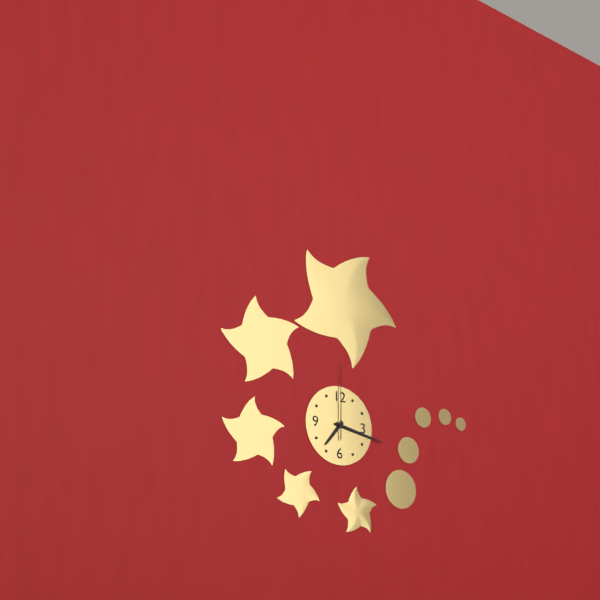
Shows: 7:17:00
